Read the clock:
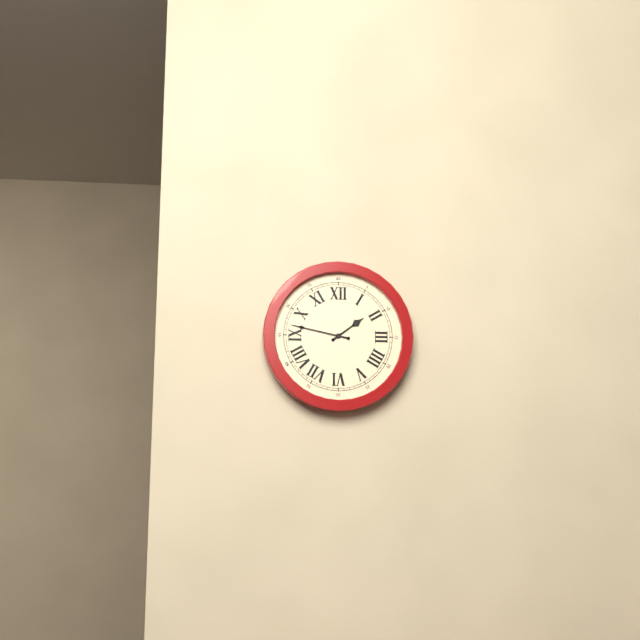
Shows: 1:47
